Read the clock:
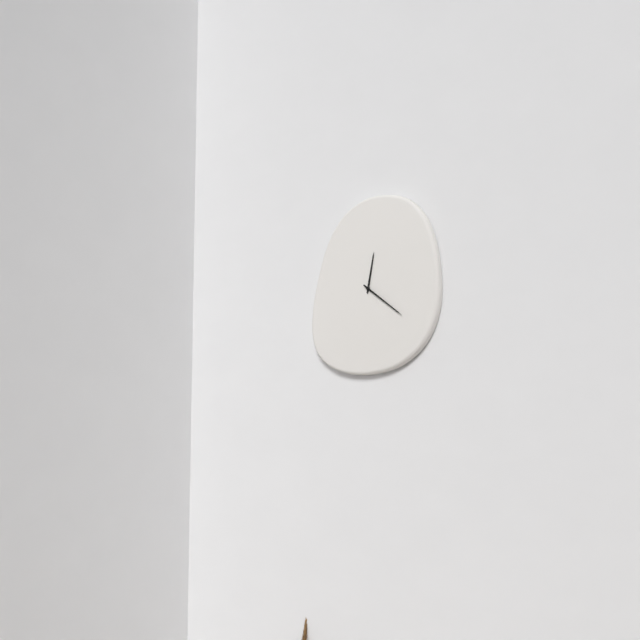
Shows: 12:21
